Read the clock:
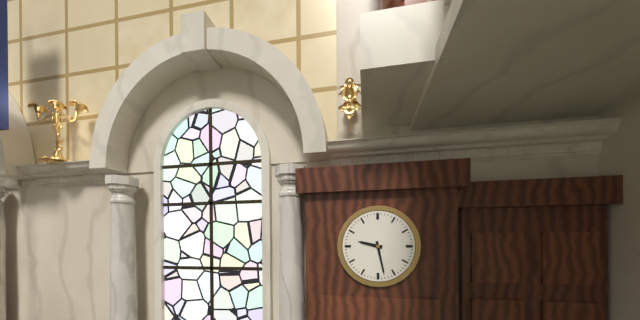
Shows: 9:28
